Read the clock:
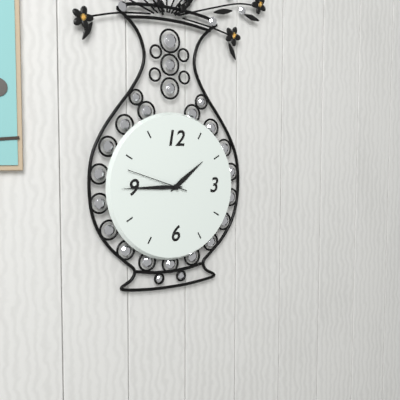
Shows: 1:45:48
